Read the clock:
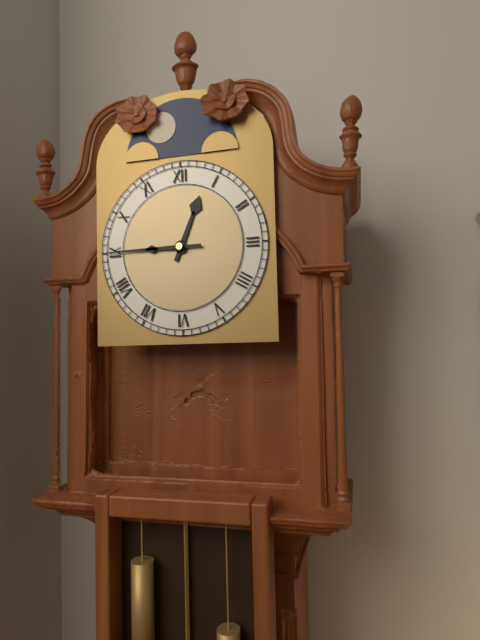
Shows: 12:45
